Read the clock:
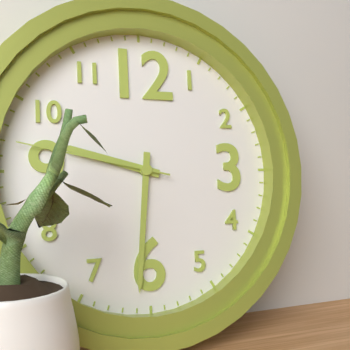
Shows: 9:31:47
